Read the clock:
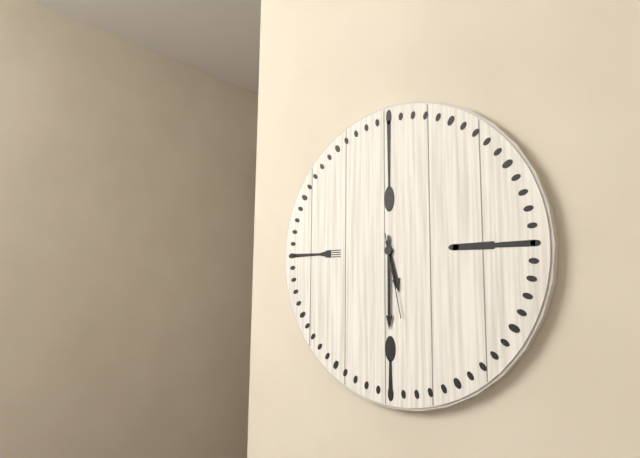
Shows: 5:30:28
